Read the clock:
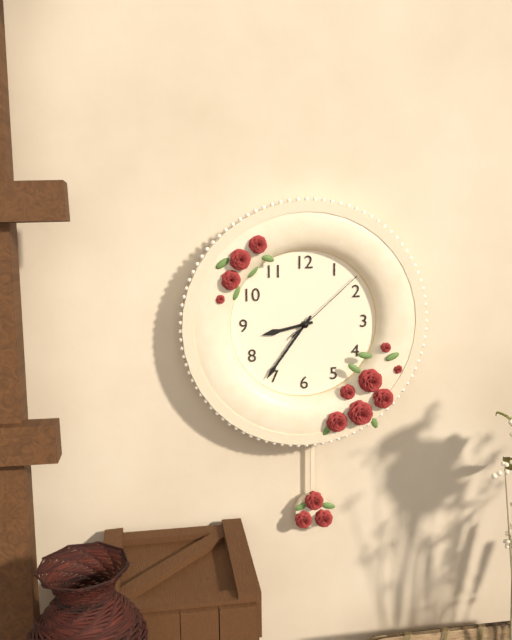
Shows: 8:36:08
